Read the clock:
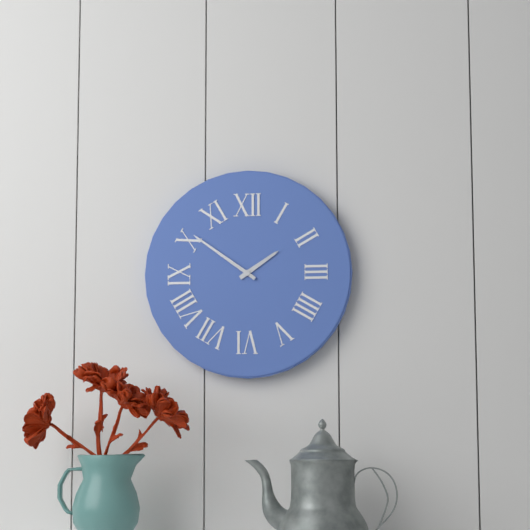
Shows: 1:51
